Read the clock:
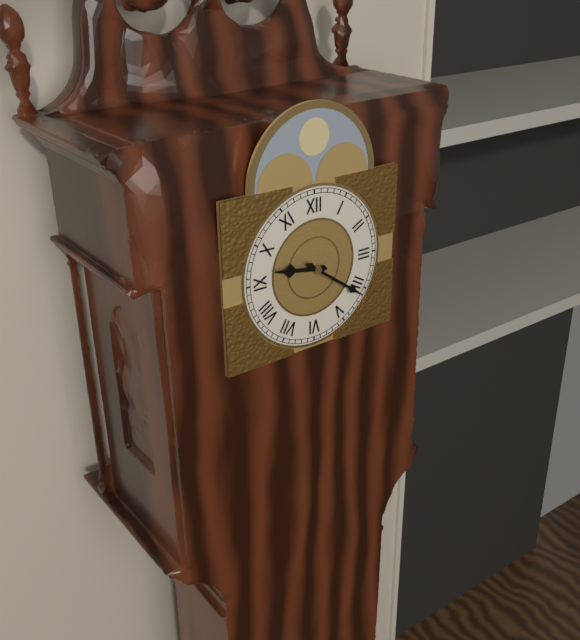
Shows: 9:21
